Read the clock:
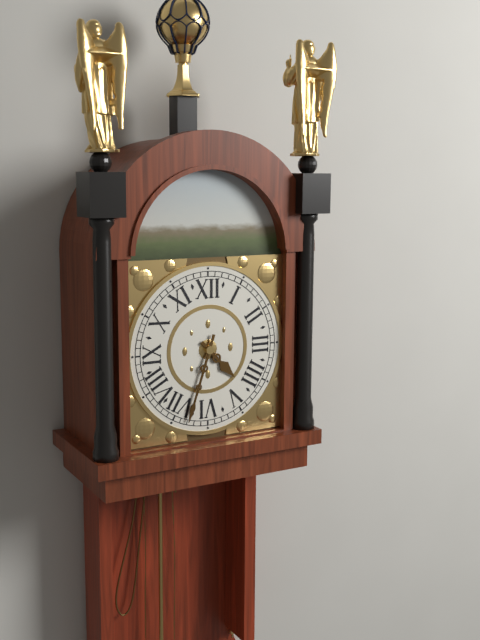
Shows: 4:33
